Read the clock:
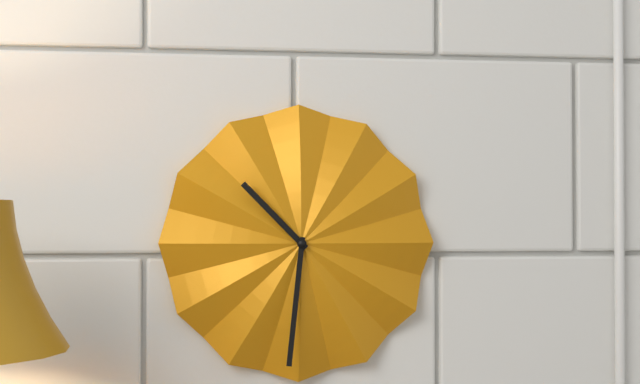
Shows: 10:31
